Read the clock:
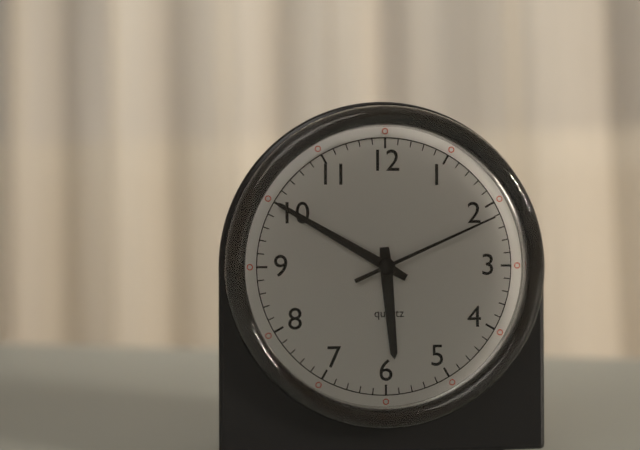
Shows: 5:50:11
